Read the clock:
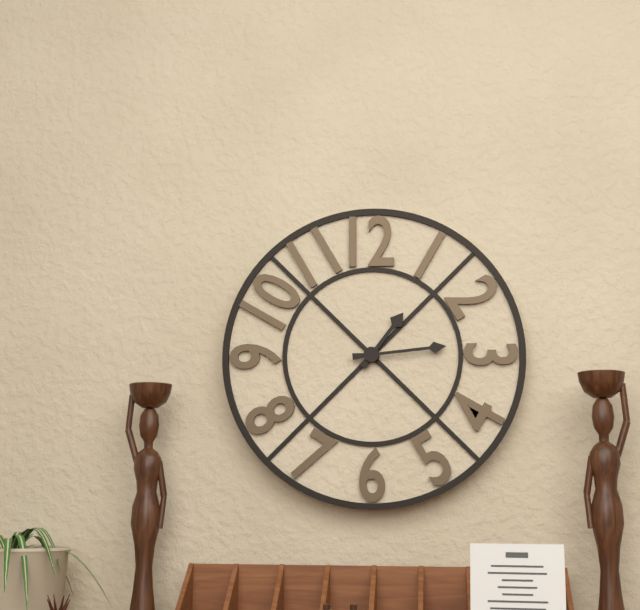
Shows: 1:14
